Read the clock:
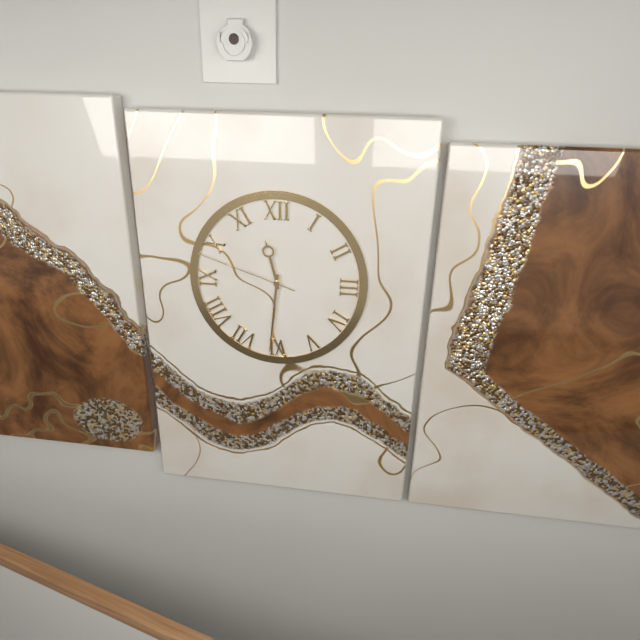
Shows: 11:31:48
